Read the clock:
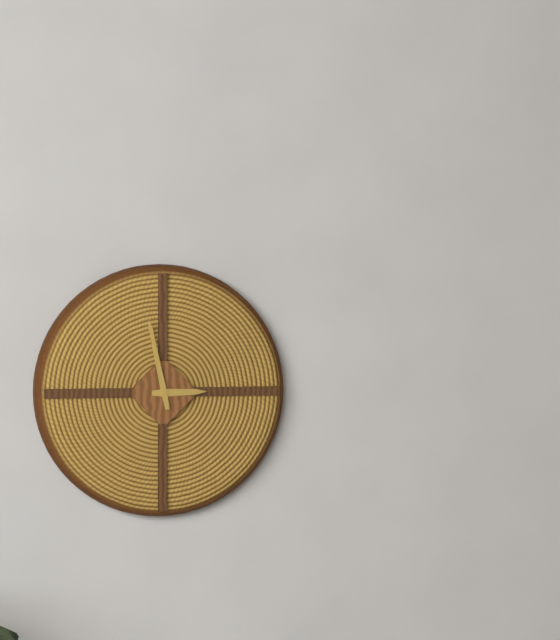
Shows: 2:58
